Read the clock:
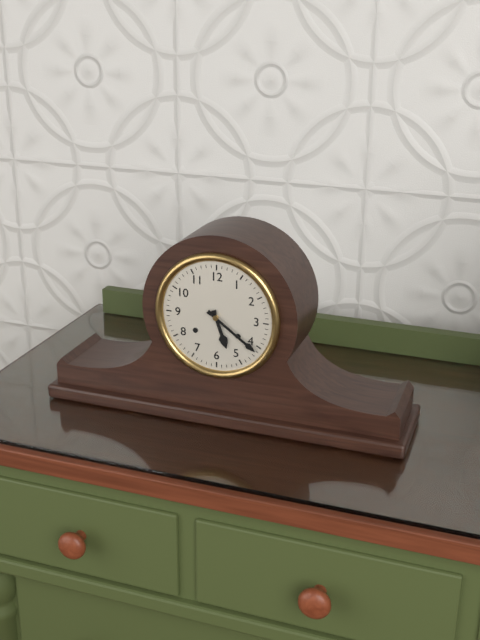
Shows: 5:21
